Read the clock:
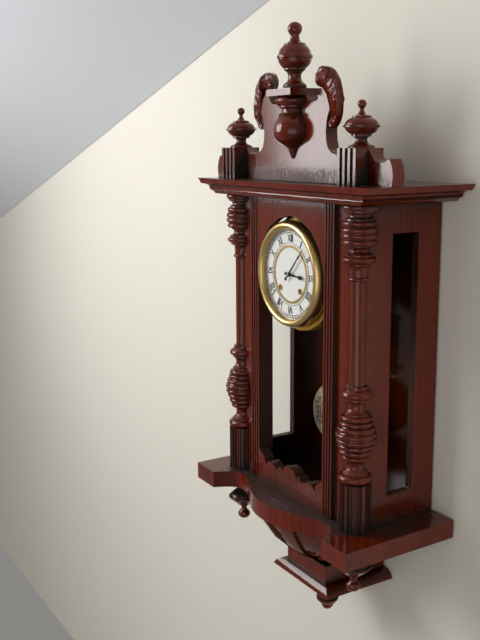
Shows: 3:07
